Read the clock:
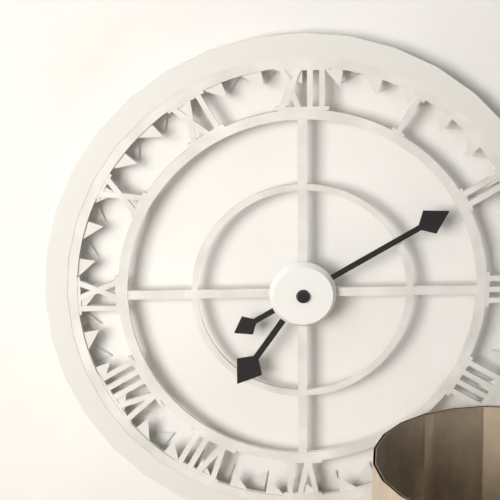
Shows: 7:10
